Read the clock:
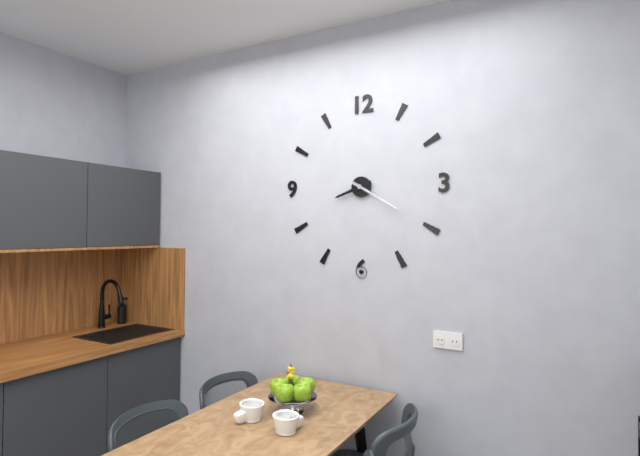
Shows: 8:20
